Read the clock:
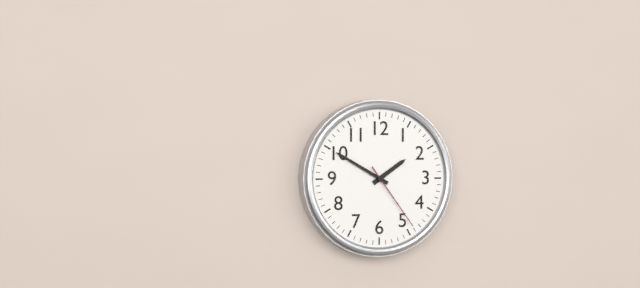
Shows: 1:50:24
